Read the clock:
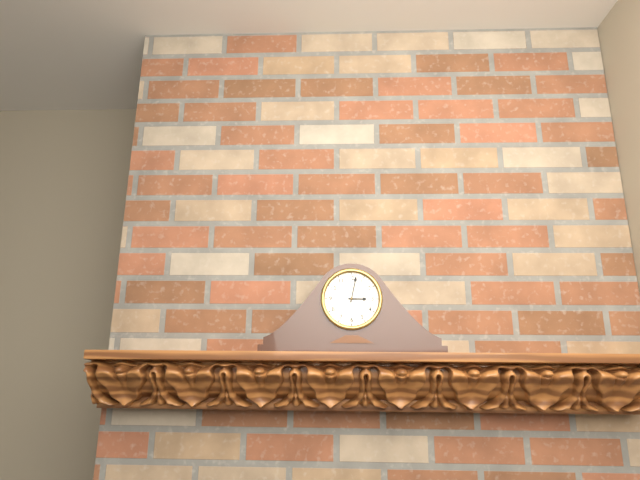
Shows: 3:02
